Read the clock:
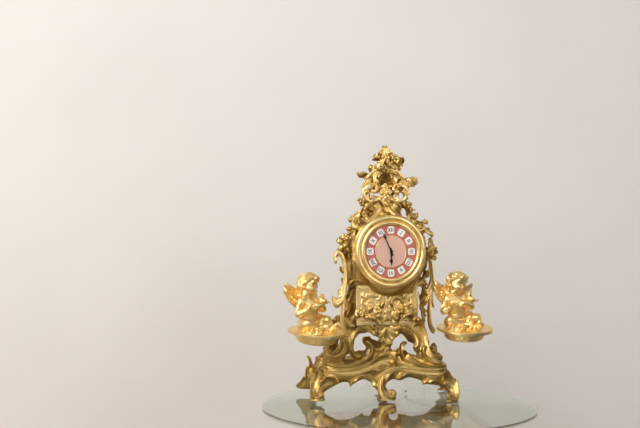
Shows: 5:56
